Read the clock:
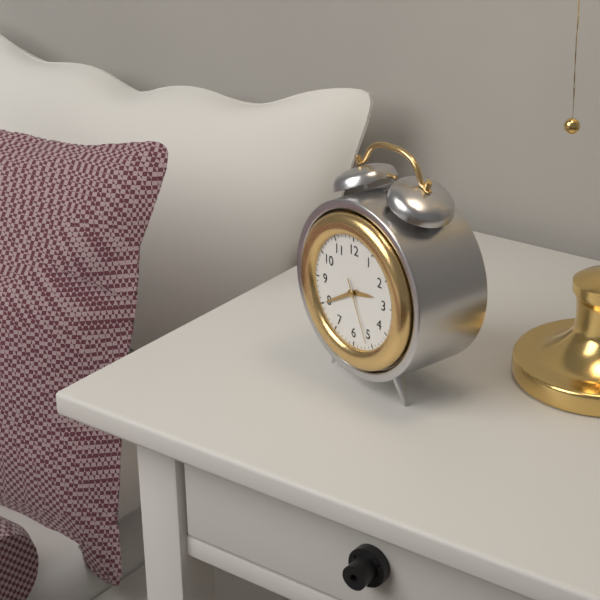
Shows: 2:40:26
